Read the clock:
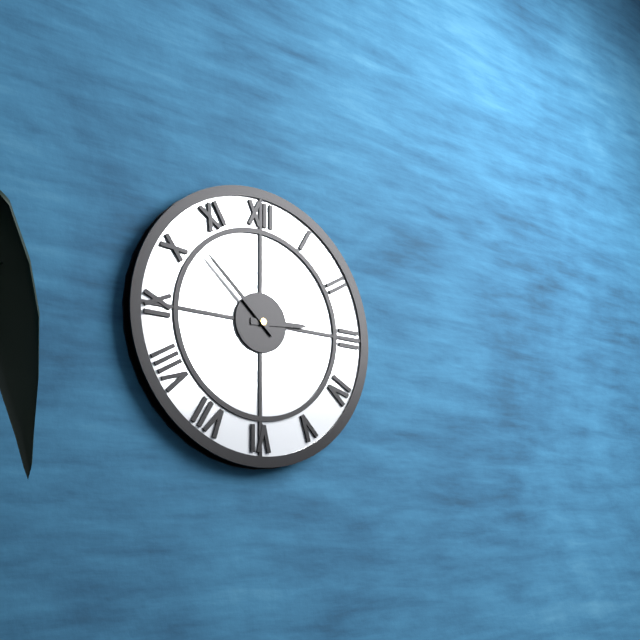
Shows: 2:52
